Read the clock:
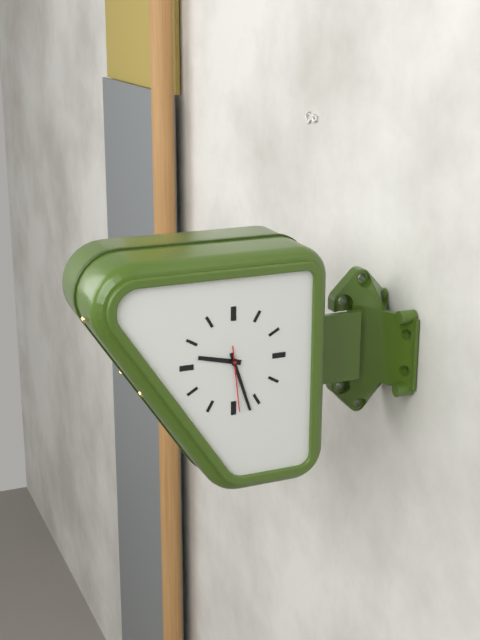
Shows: 9:27:29
